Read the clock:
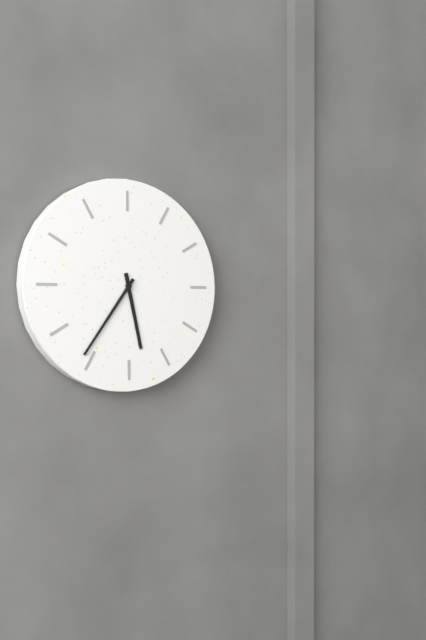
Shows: 5:36
